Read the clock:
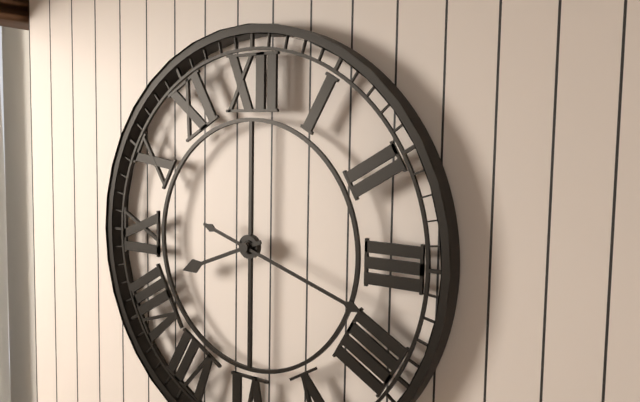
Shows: 8:18
